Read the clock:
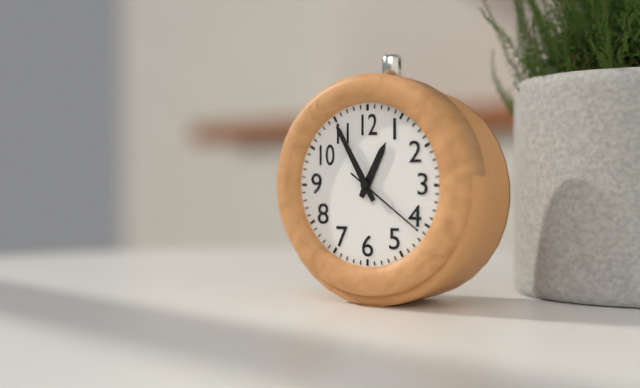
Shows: 12:55:21
